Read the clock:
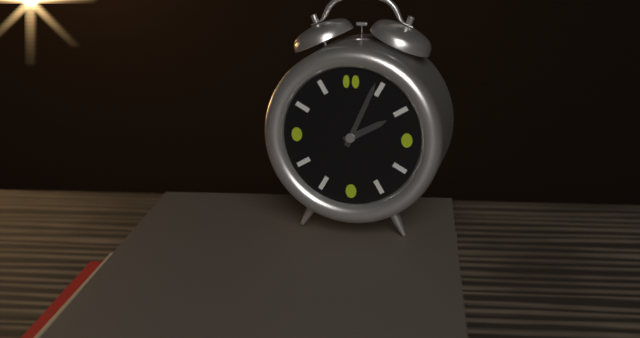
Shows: 2:04
